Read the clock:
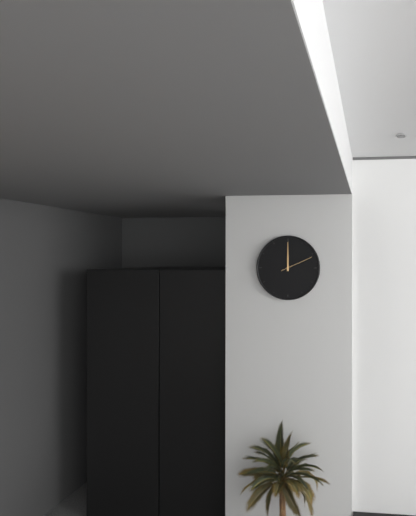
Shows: 12:00
